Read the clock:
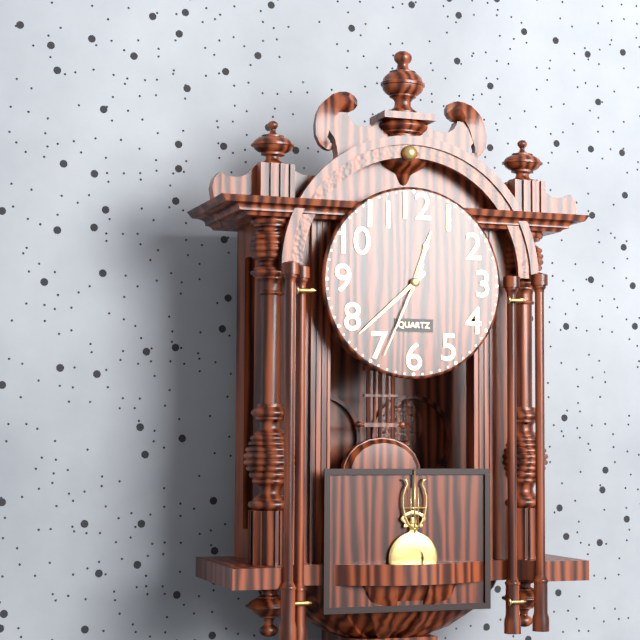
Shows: 12:38:34
